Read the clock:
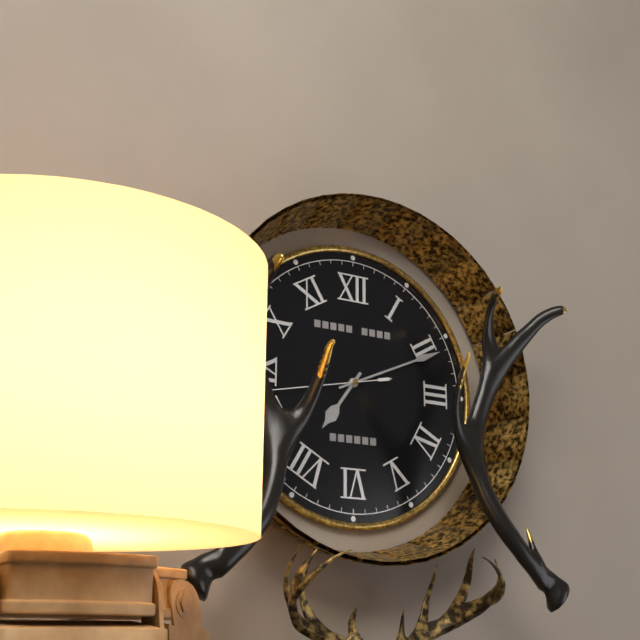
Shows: 7:11:43
